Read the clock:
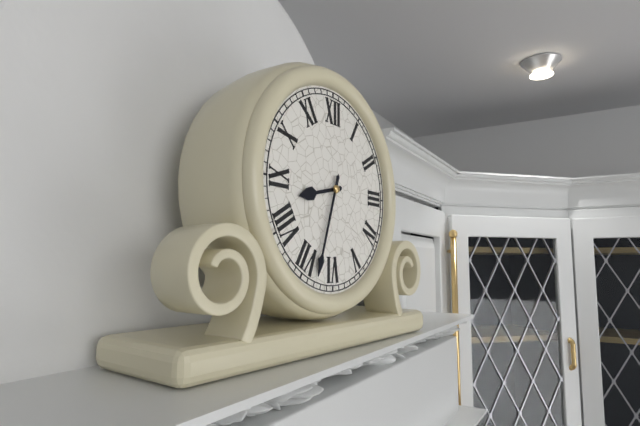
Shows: 8:33
